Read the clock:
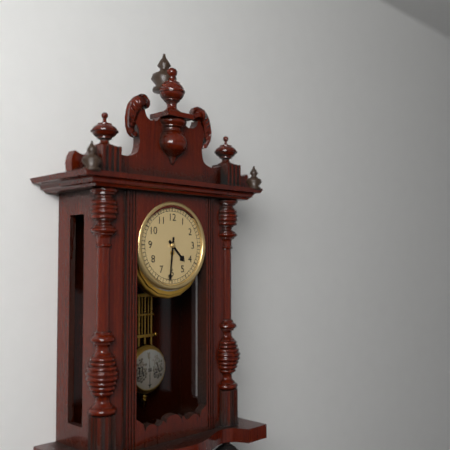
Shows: 4:31
